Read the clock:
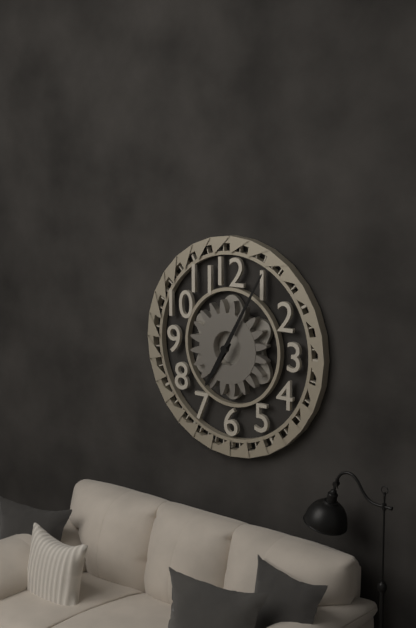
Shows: 7:05
